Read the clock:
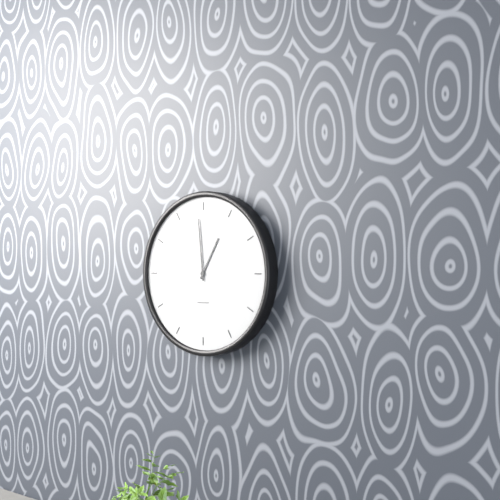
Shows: 12:59
